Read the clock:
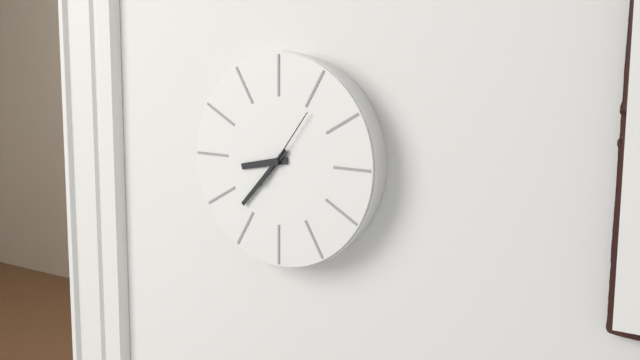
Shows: 8:37:06
